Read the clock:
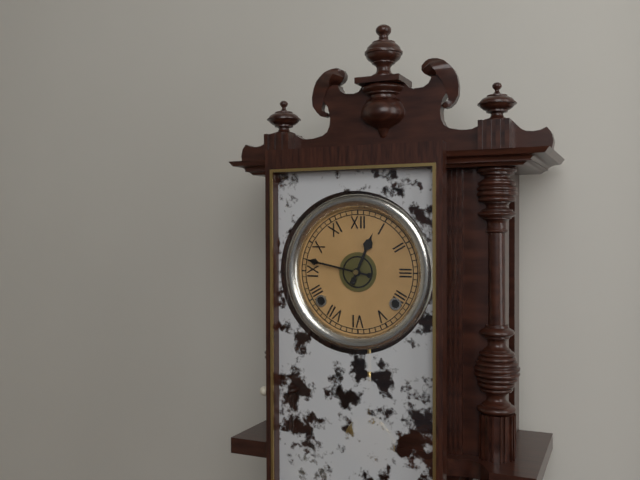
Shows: 12:47
